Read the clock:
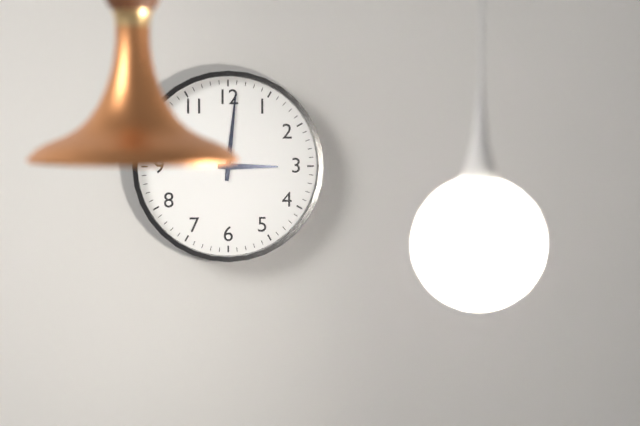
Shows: 3:01
